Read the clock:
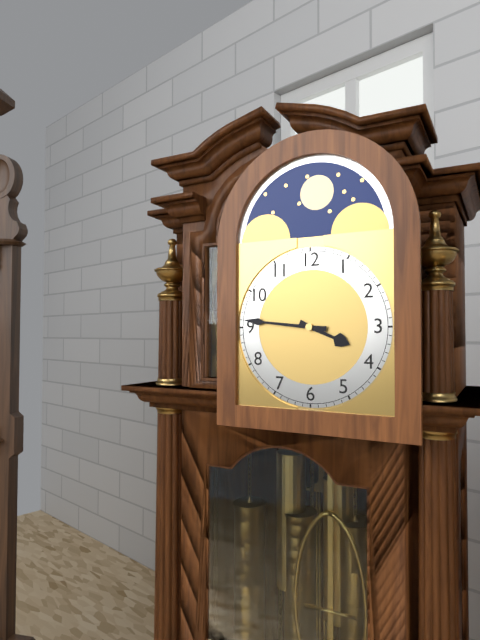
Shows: 3:46
